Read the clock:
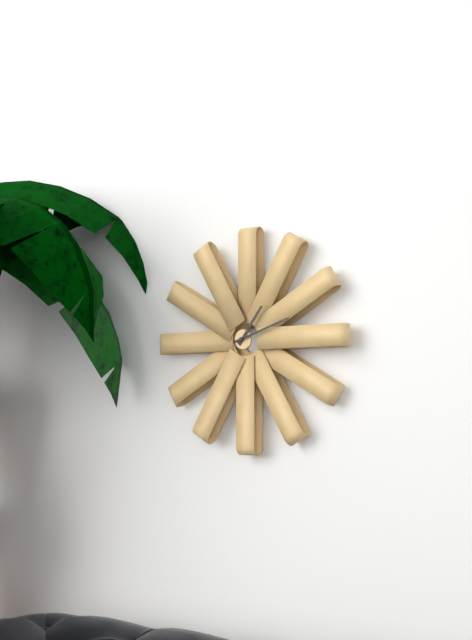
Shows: 1:12
